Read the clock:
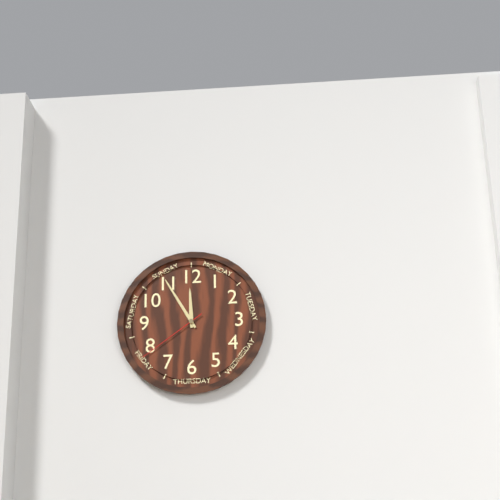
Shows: 11:55:39
